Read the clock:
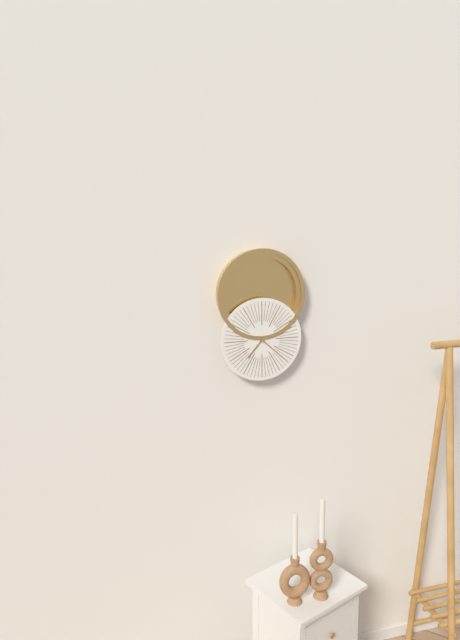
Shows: 7:22
